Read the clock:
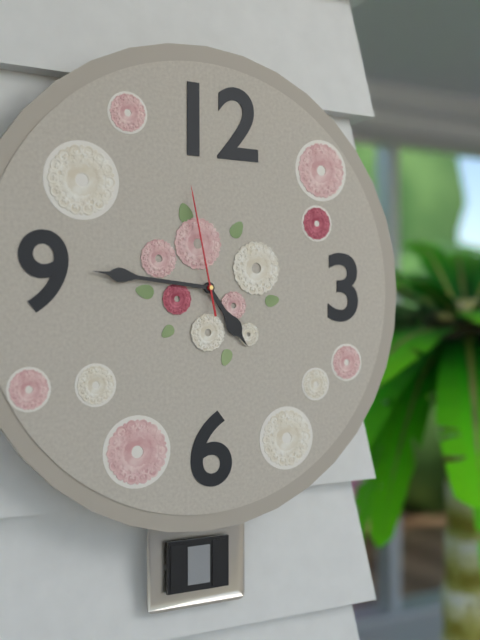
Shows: 4:46:58
